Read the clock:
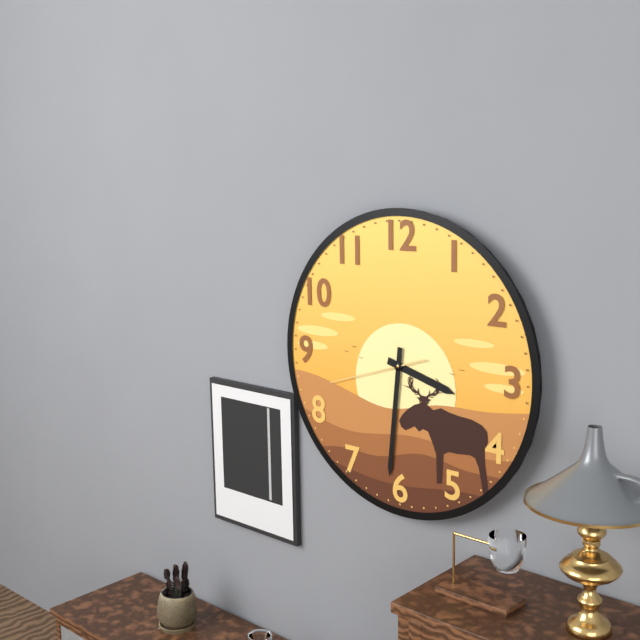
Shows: 3:31:42
